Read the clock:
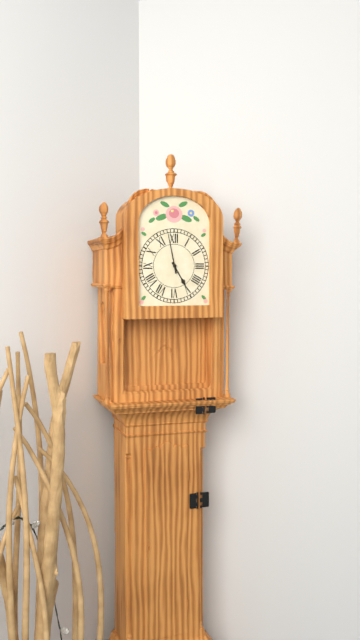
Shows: 4:58
